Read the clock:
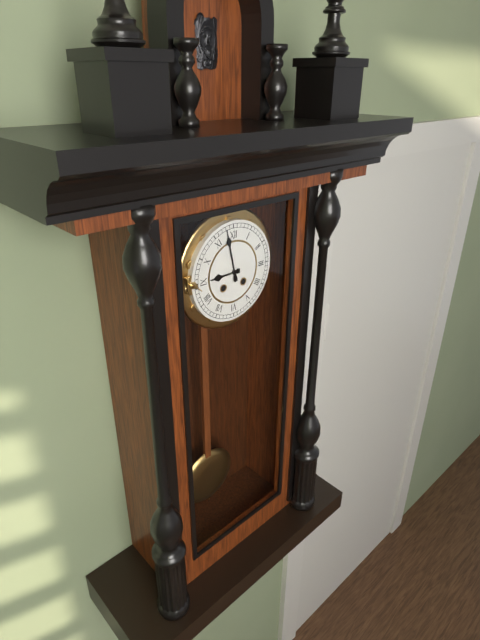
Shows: 8:58
